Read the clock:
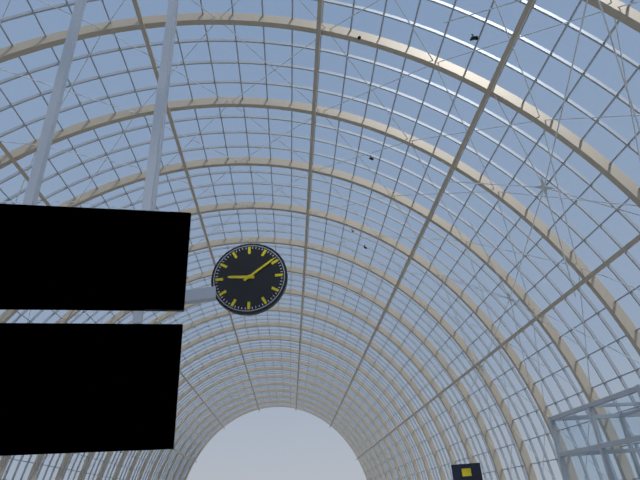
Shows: 9:09
